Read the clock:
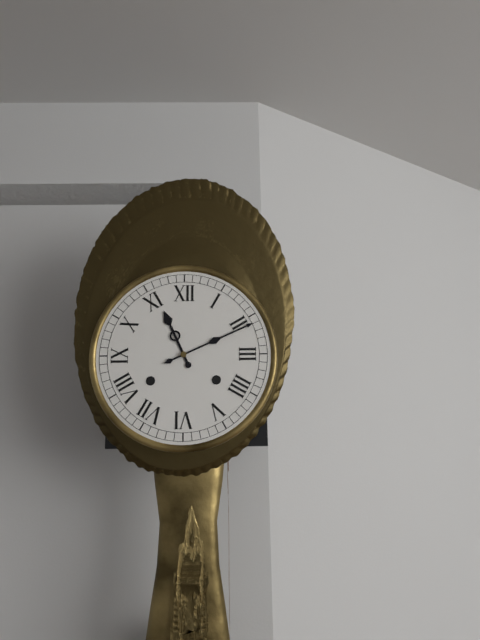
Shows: 11:11
